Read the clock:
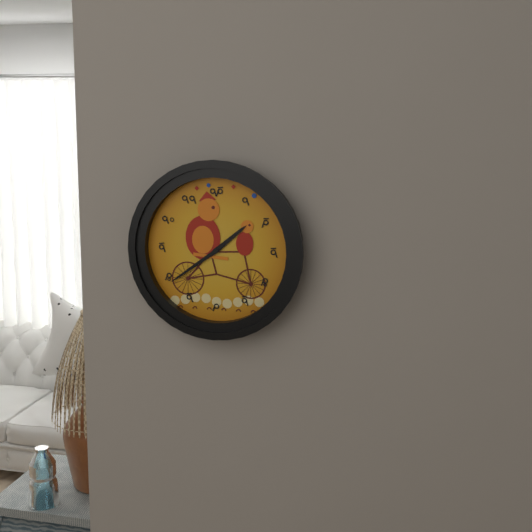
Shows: 1:39
